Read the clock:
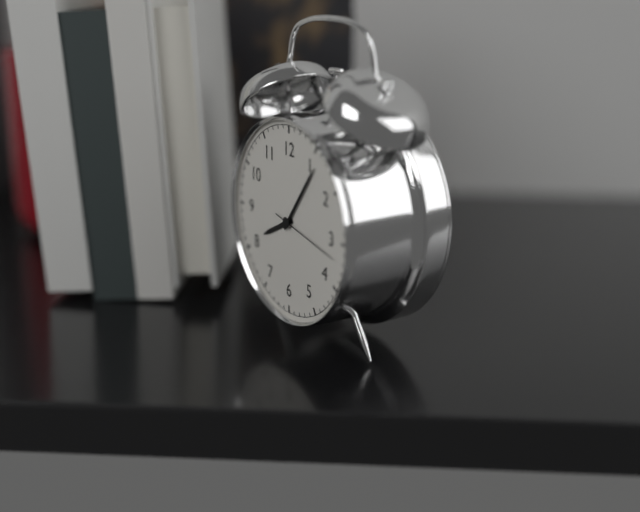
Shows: 8:06:17
